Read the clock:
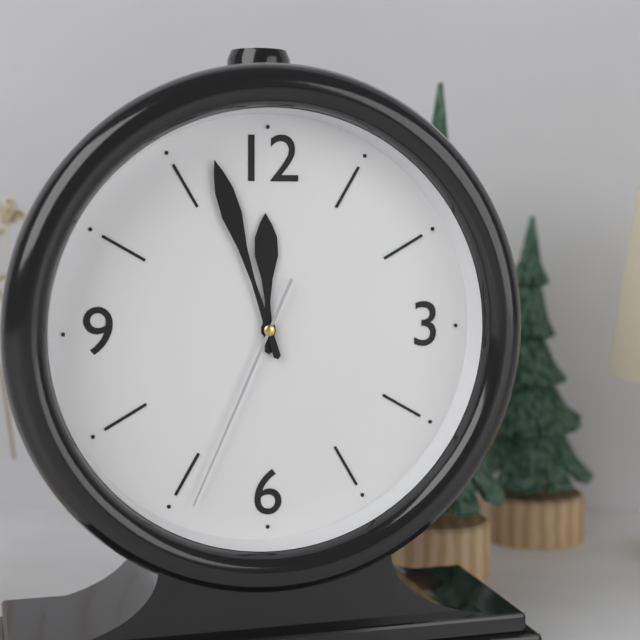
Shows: 11:57:34
